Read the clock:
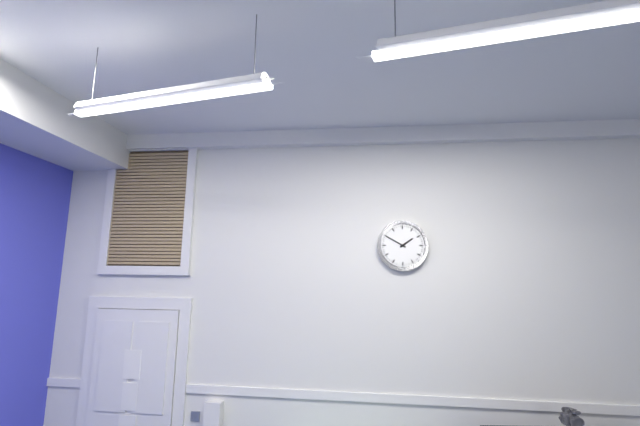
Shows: 1:50
